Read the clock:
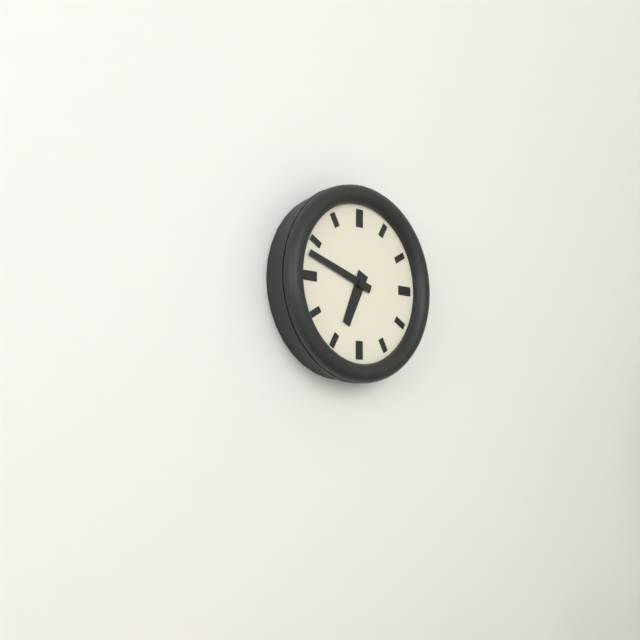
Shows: 6:48
